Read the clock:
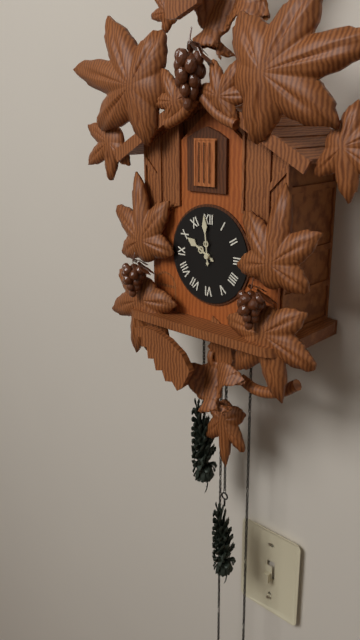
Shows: 9:59
